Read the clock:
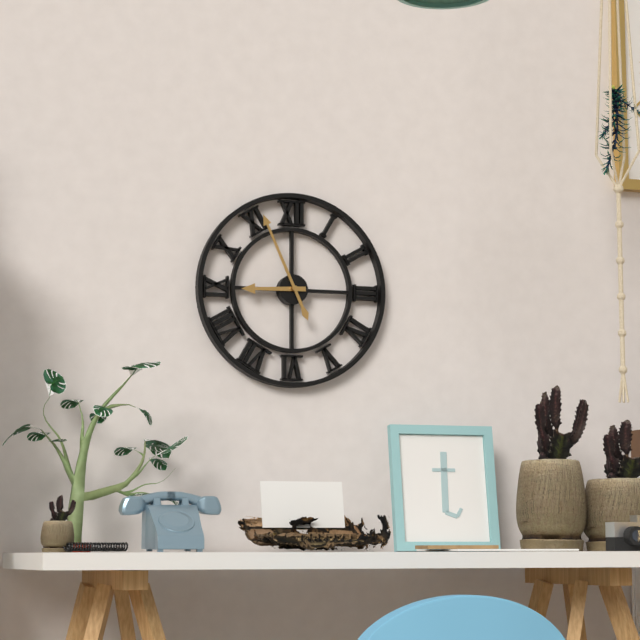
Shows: 8:56
